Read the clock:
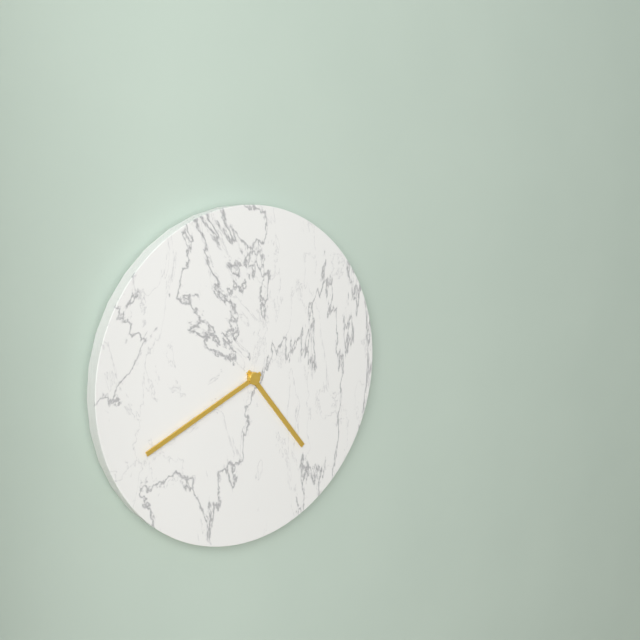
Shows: 4:41
